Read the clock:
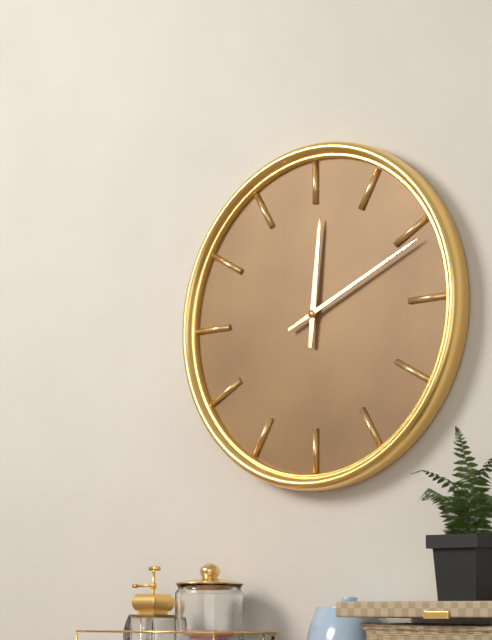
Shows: 12:11
